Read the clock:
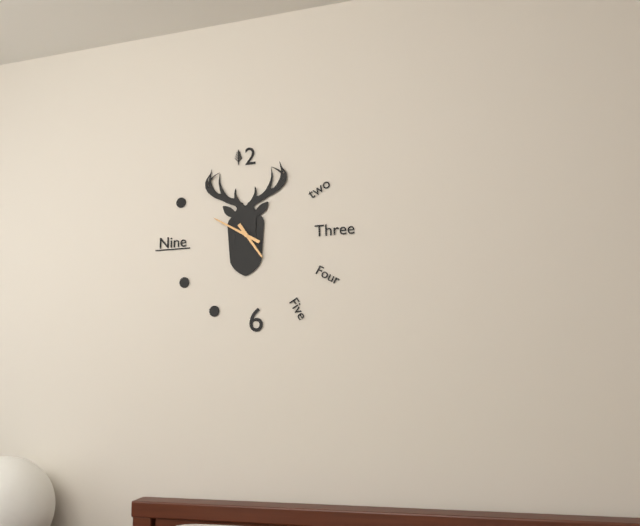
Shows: 4:50
